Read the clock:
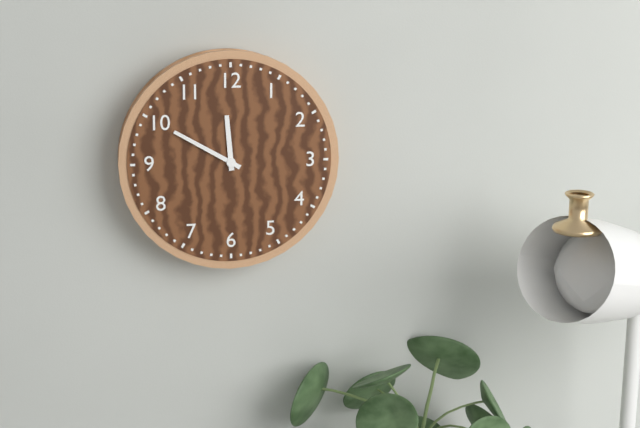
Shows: 11:50
